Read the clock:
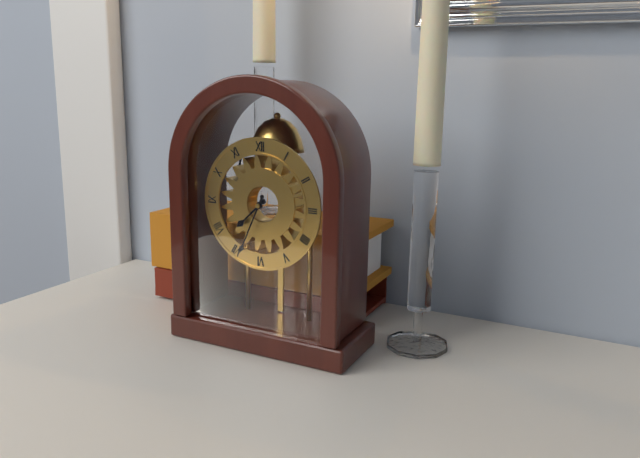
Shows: 7:34
